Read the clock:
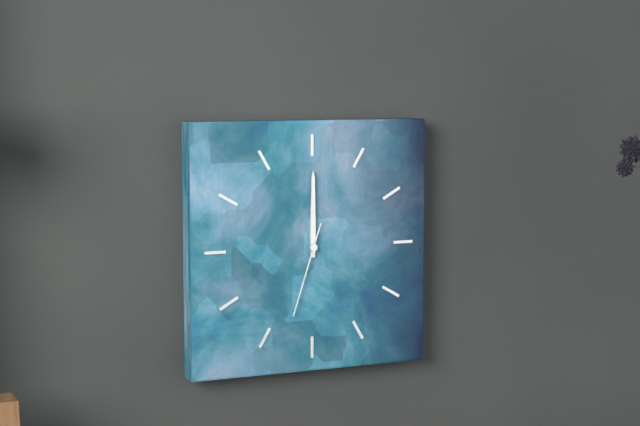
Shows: 12:00:33
